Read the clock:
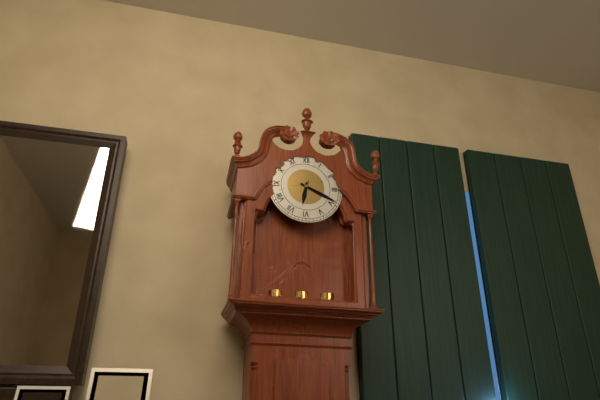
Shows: 6:19
